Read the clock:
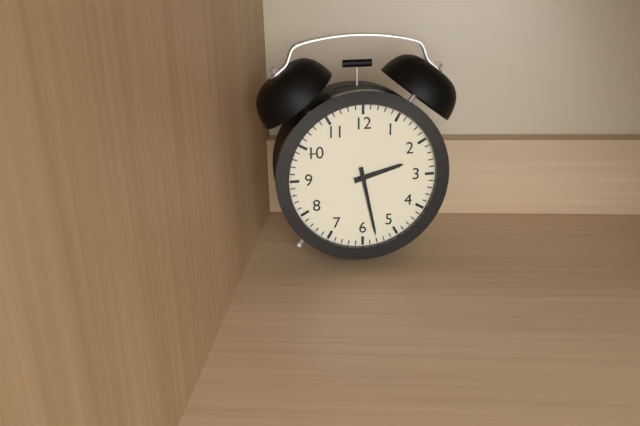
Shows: 2:28
